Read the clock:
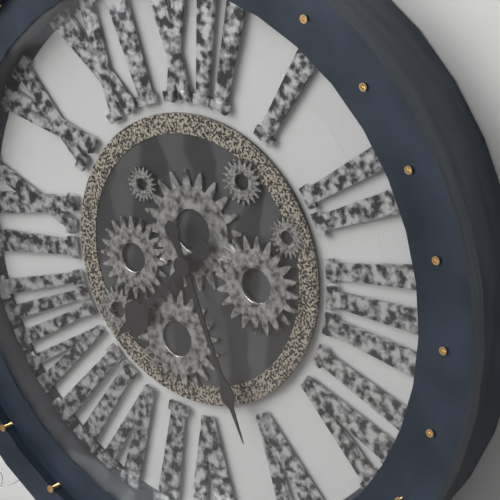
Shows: 7:26
